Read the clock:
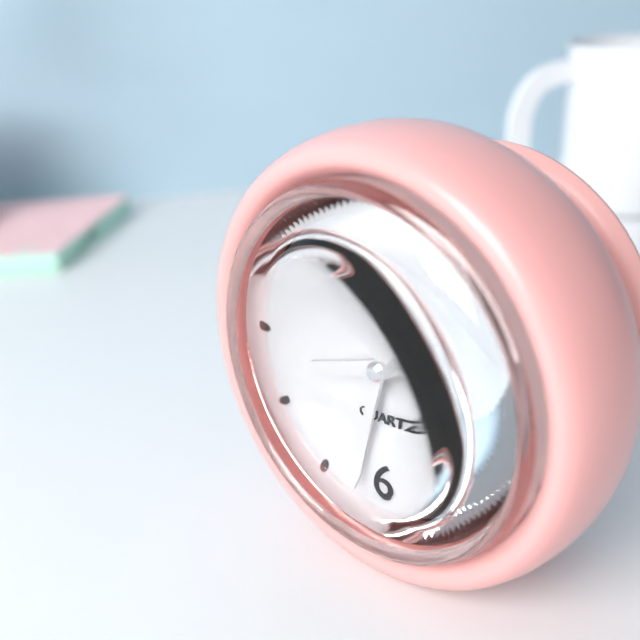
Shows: 8:32
